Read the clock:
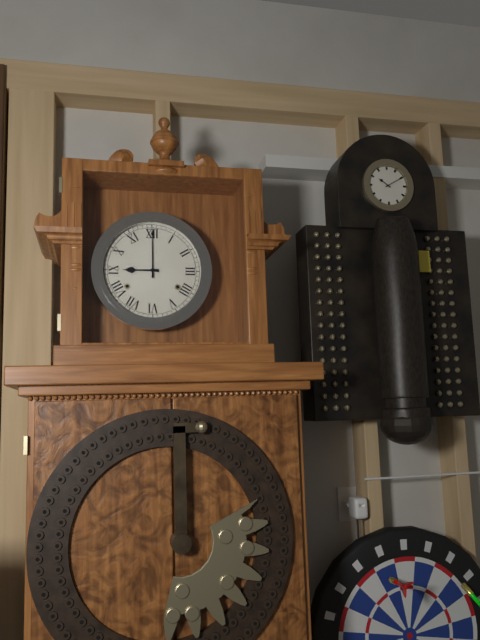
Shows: 9:00
